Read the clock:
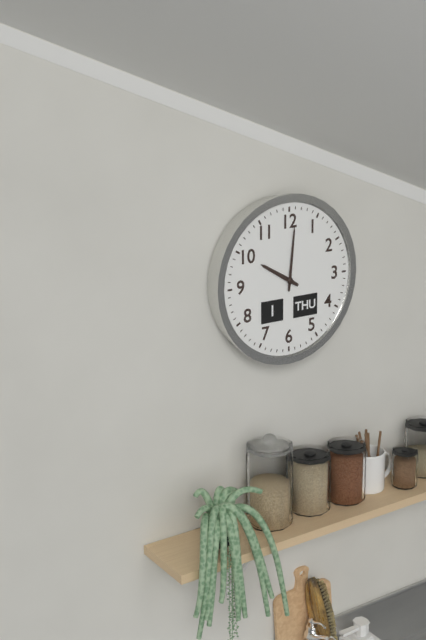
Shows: 10:01
